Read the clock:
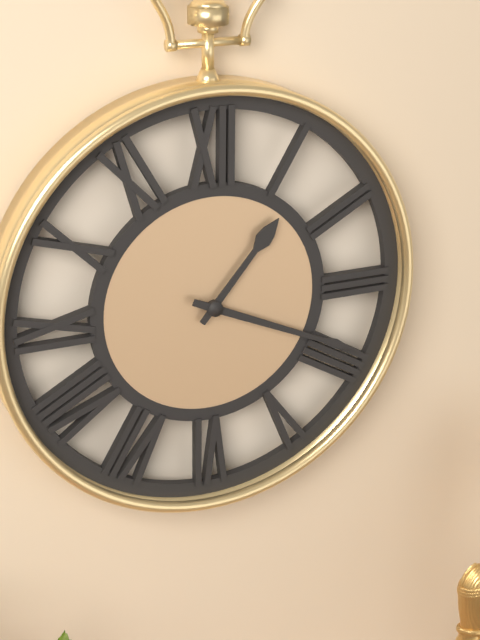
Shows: 1:19
